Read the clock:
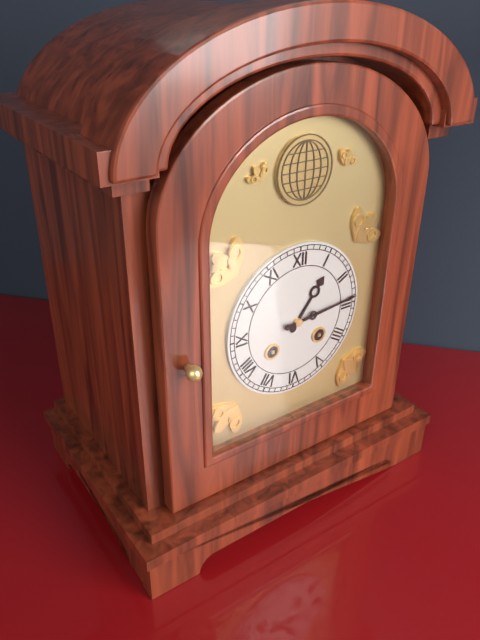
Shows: 1:14
